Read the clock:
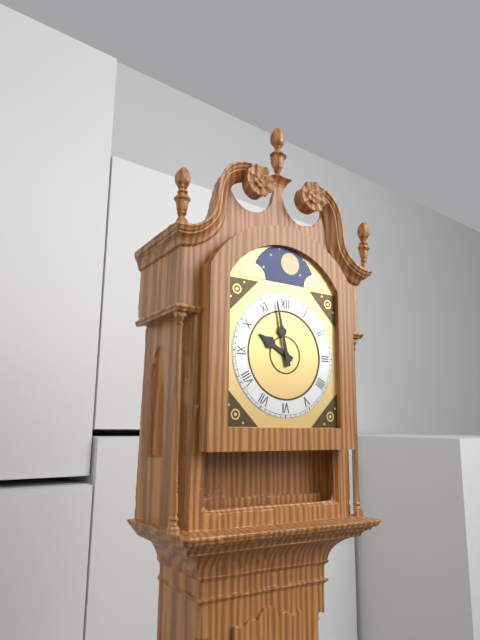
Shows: 9:58
